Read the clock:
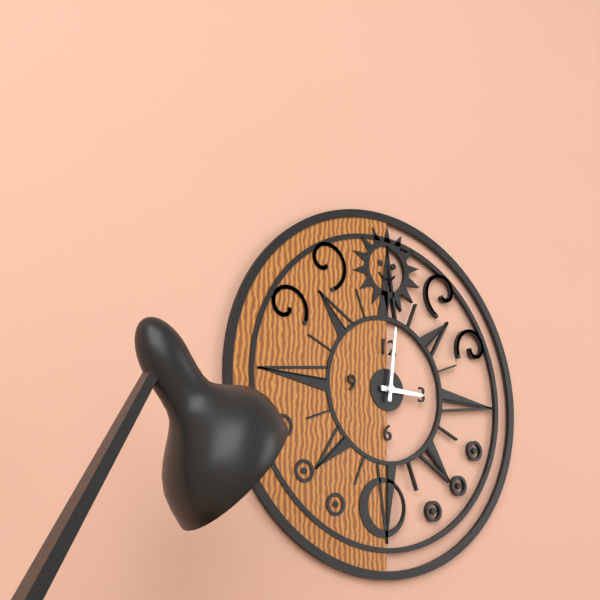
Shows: 3:01
